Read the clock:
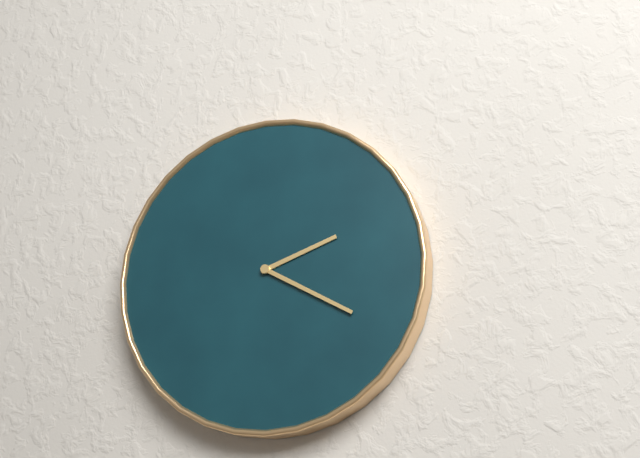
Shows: 2:20
